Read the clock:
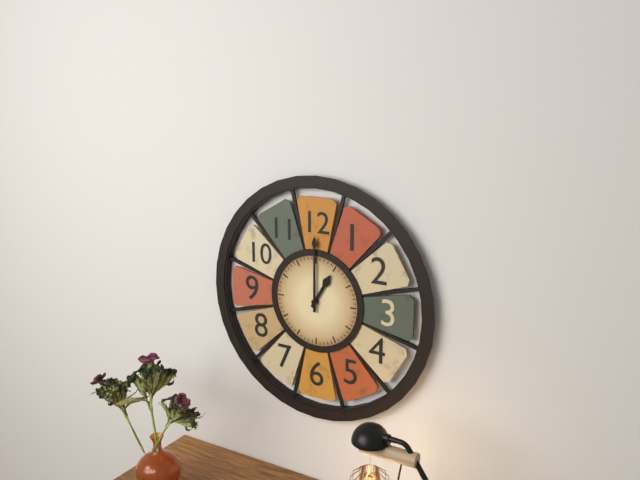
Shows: 1:00
